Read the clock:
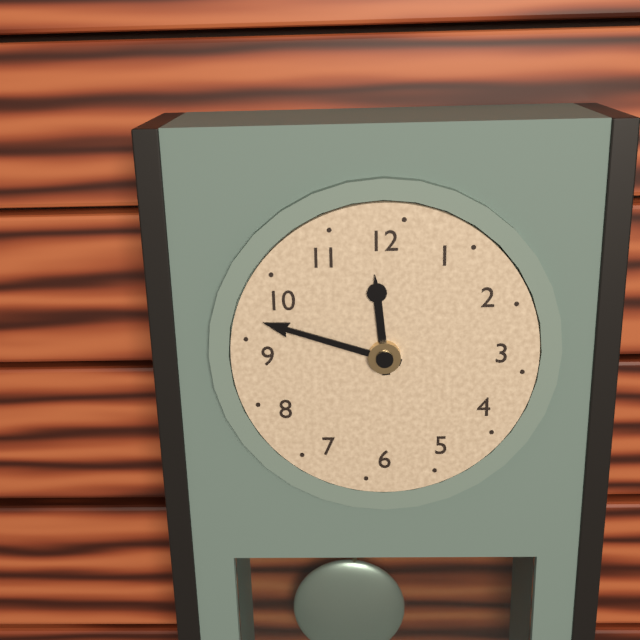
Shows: 11:48
